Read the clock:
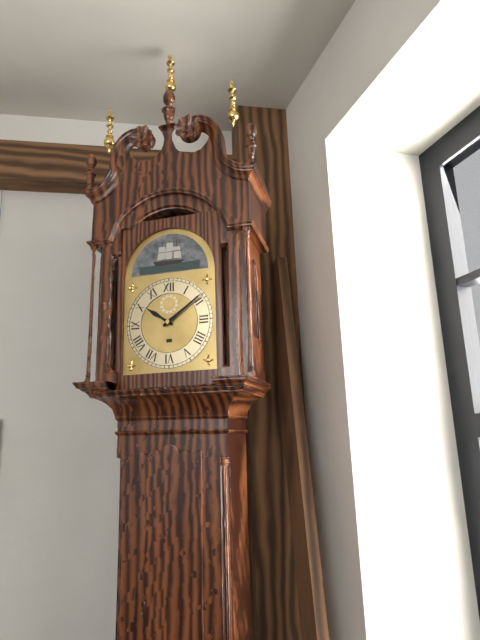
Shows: 10:09
